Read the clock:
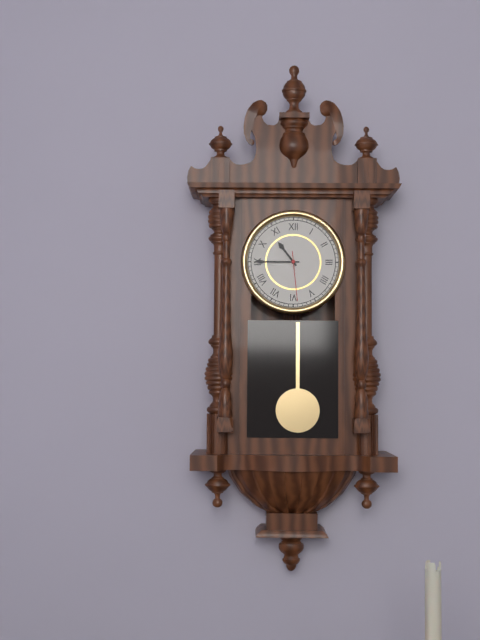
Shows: 10:45:29
